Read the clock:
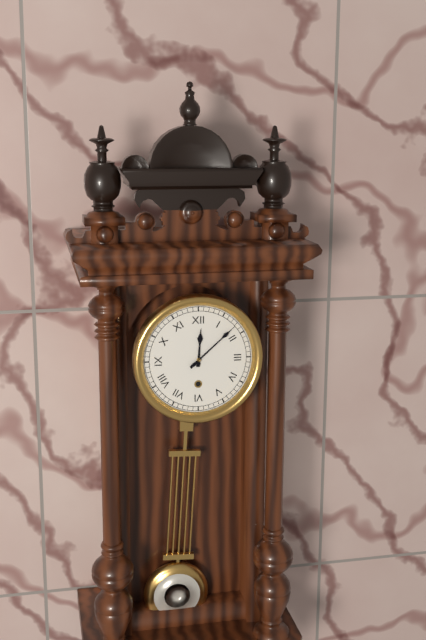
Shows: 12:08
